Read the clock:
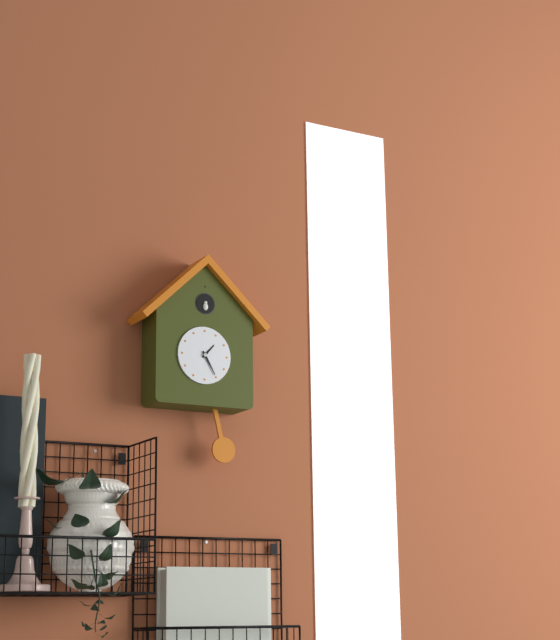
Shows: 1:25
